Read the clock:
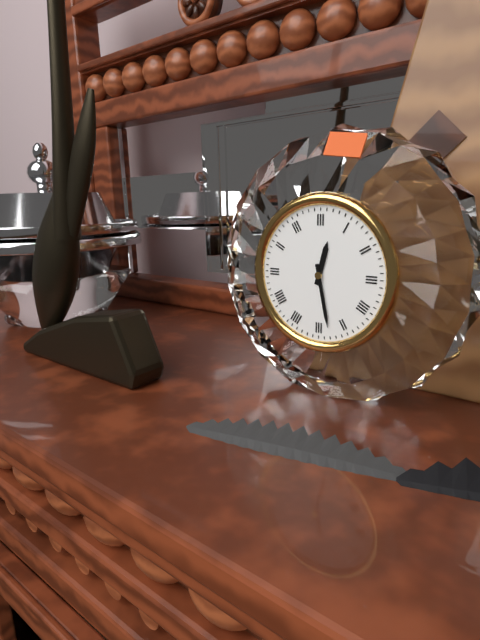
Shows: 12:28
